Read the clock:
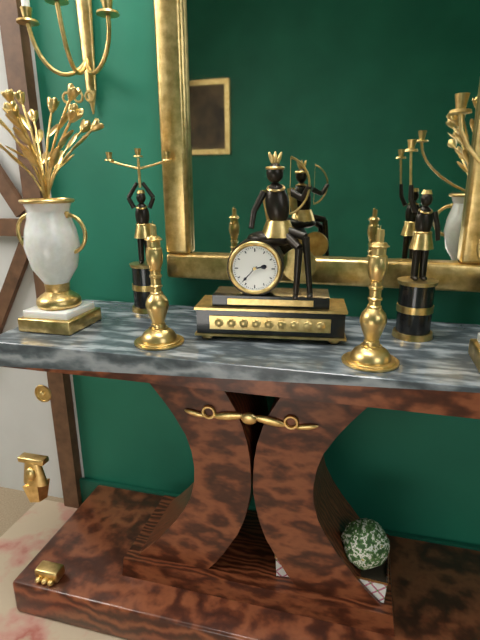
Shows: 2:37
